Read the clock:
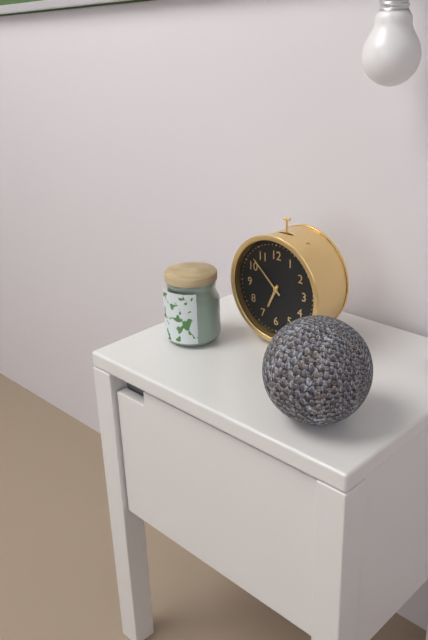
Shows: 6:52
